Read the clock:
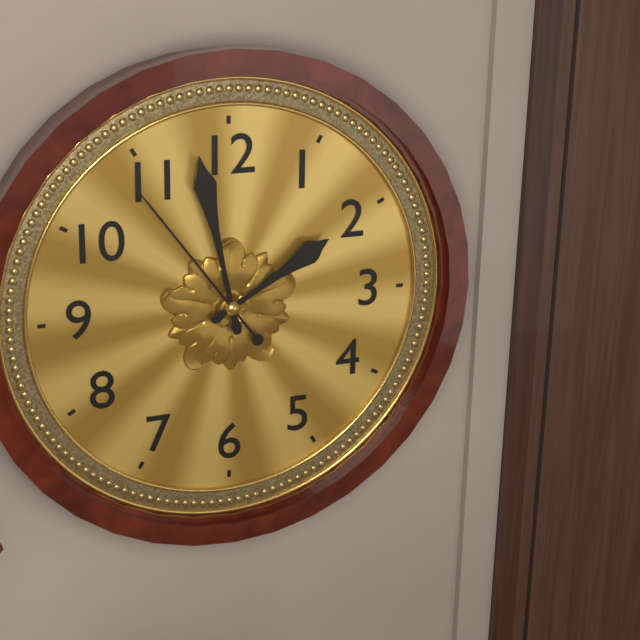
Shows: 1:58:54
